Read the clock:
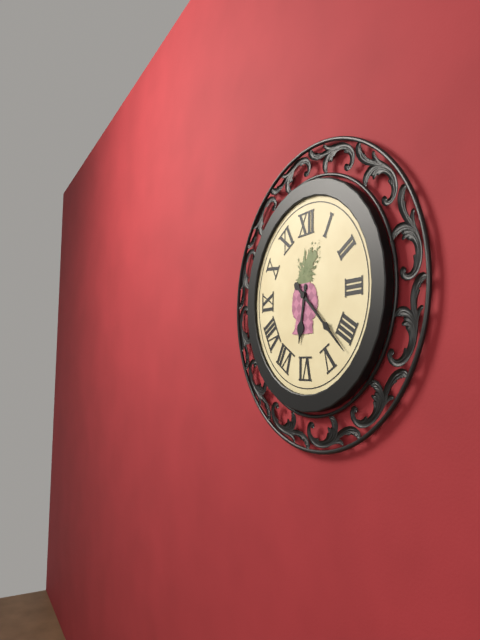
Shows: 6:22
